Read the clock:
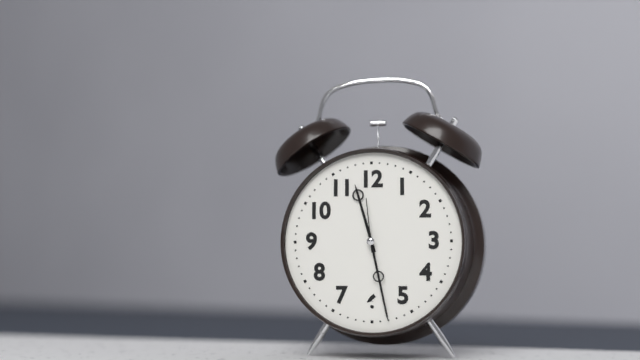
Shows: 11:28:59
